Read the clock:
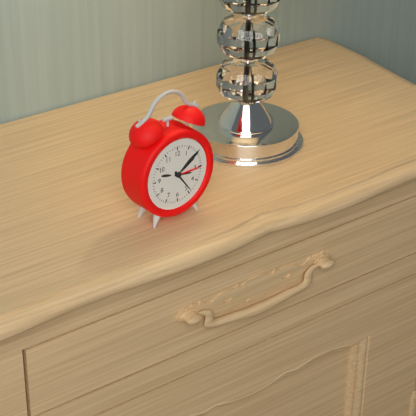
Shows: 3:24
